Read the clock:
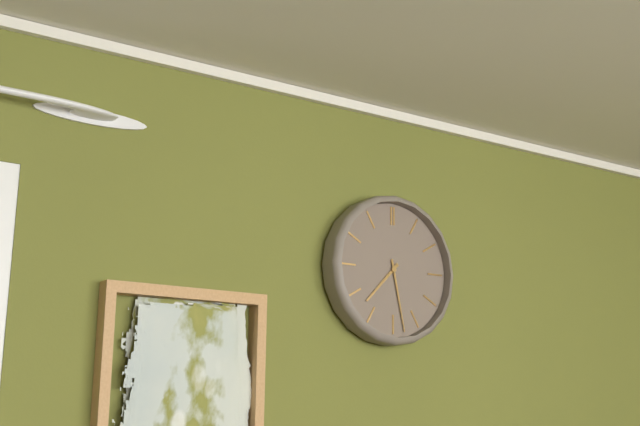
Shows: 7:28
